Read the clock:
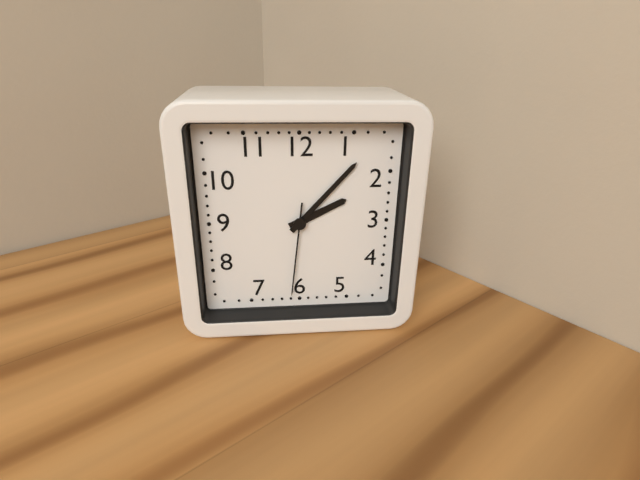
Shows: 2:07:31
